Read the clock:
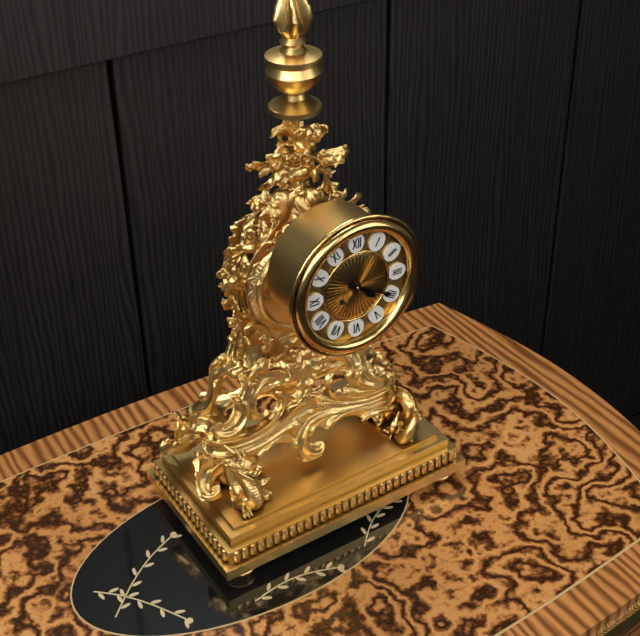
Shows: 4:20
